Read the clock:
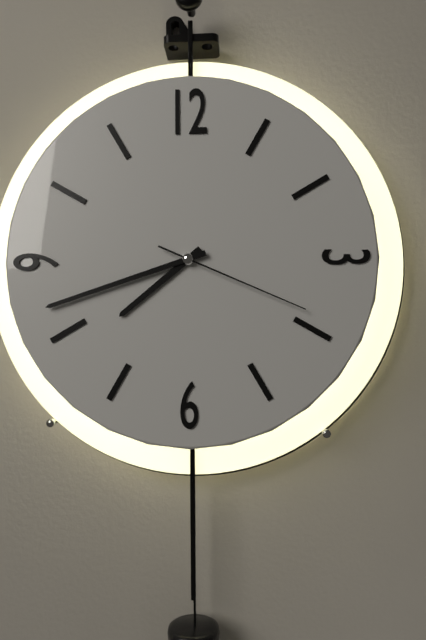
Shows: 7:42:19
